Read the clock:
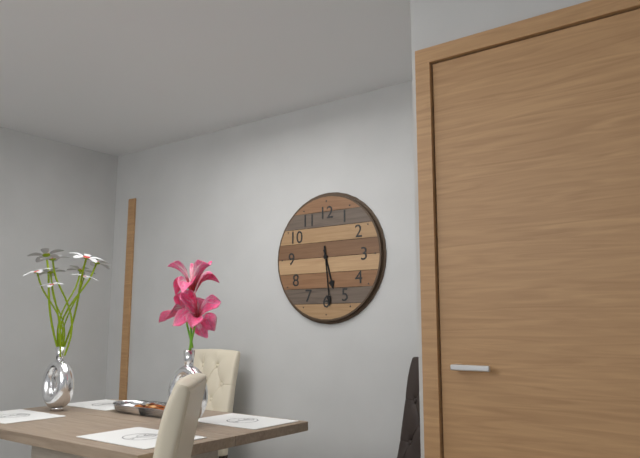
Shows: 5:29
